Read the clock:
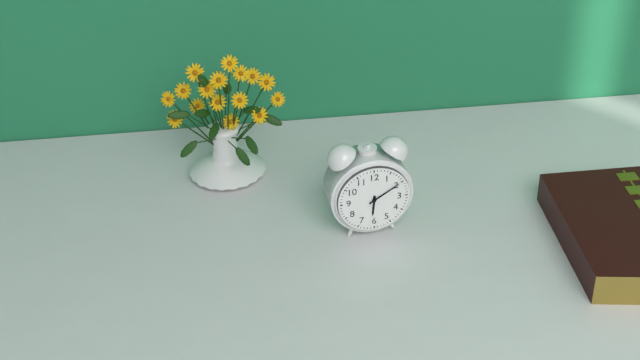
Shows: 6:10
